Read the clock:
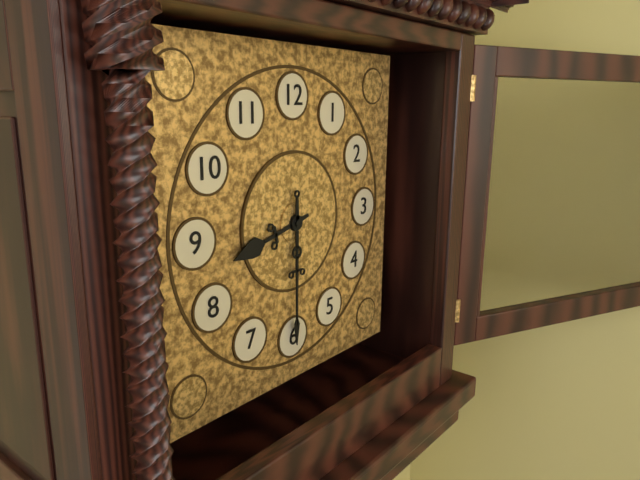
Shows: 8:30
